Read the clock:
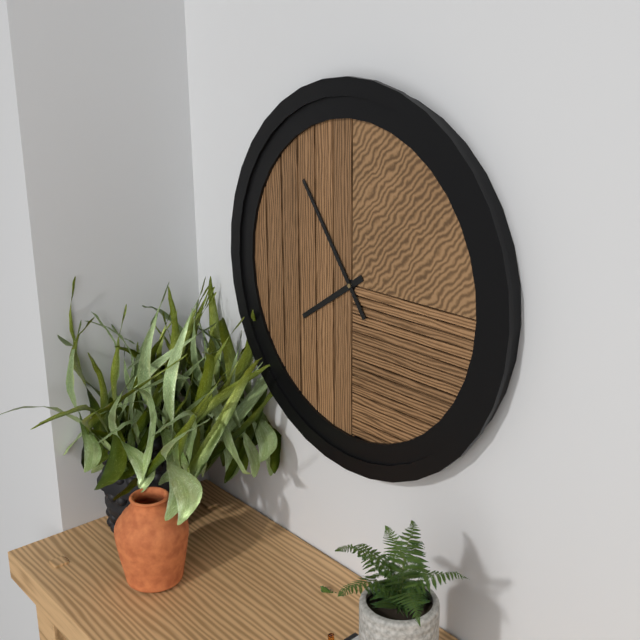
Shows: 7:54
